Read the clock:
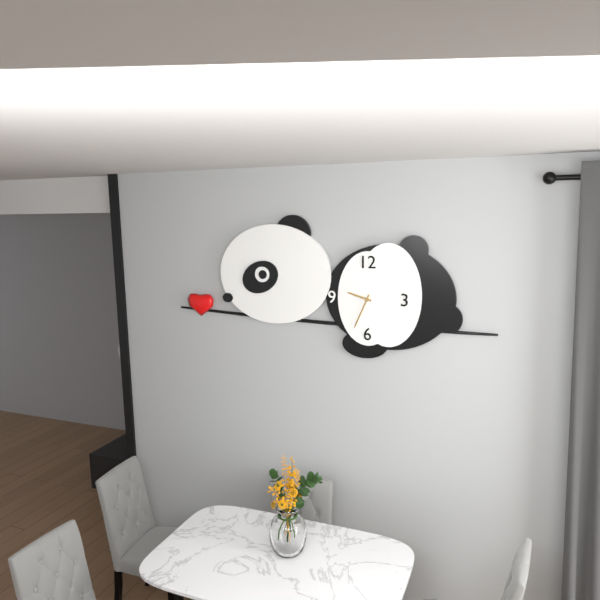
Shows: 9:34
